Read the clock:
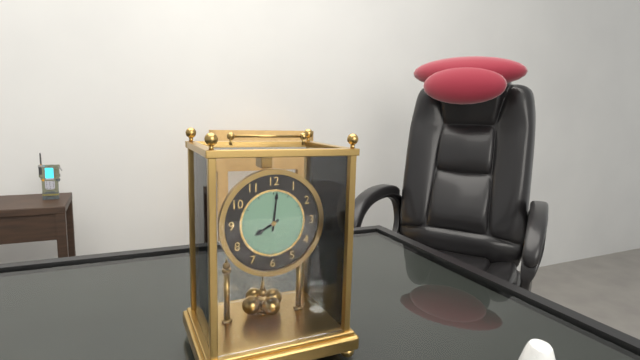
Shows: 8:01
